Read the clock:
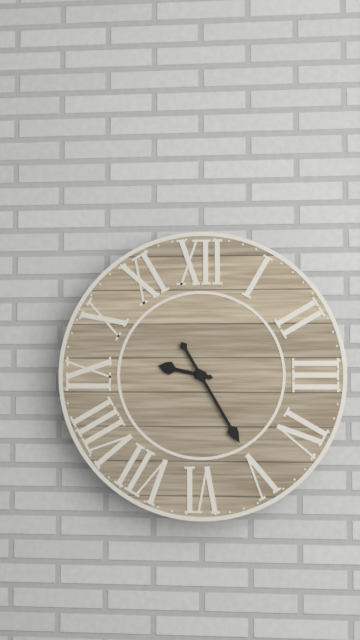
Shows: 9:25
